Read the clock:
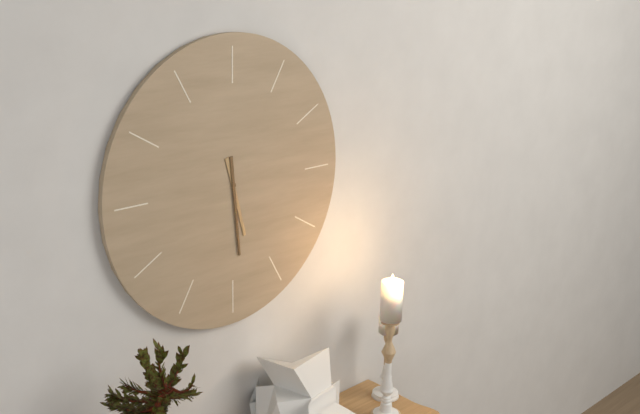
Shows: 5:29
